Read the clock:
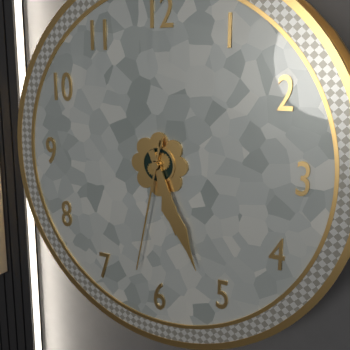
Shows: 5:26:32
